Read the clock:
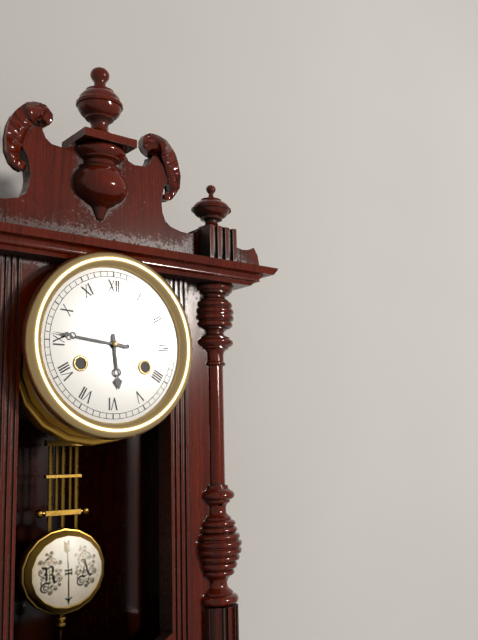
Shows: 5:46
